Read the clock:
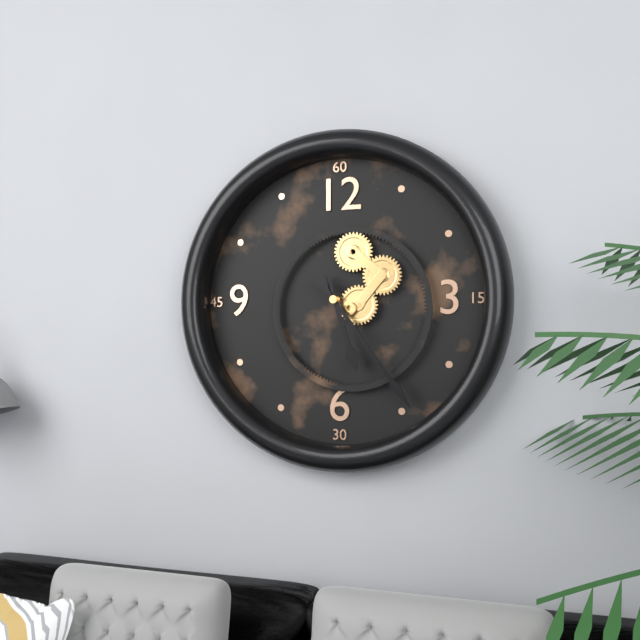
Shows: 5:24
